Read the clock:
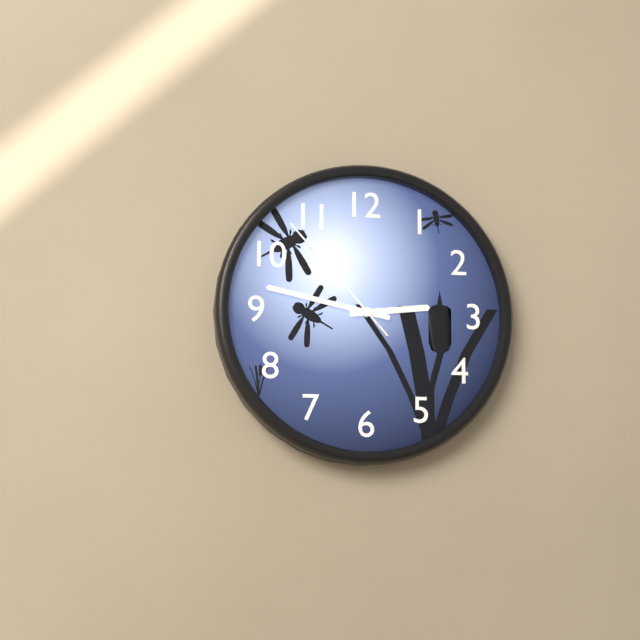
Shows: 2:47:53
